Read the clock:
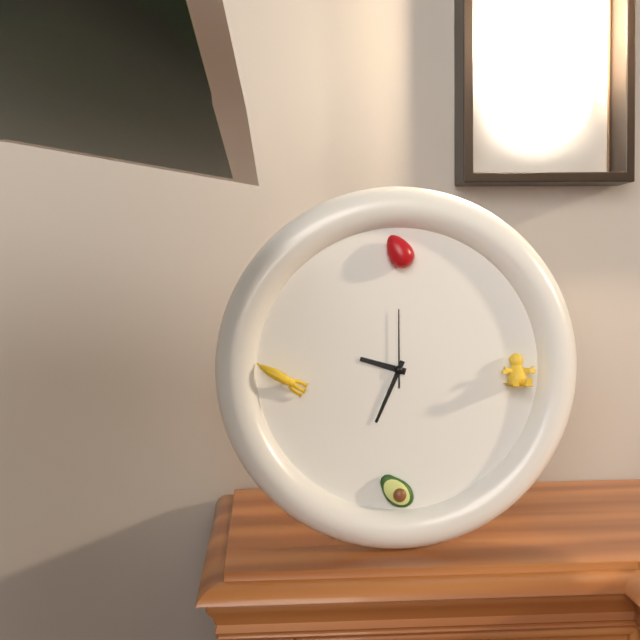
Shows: 9:34:00
